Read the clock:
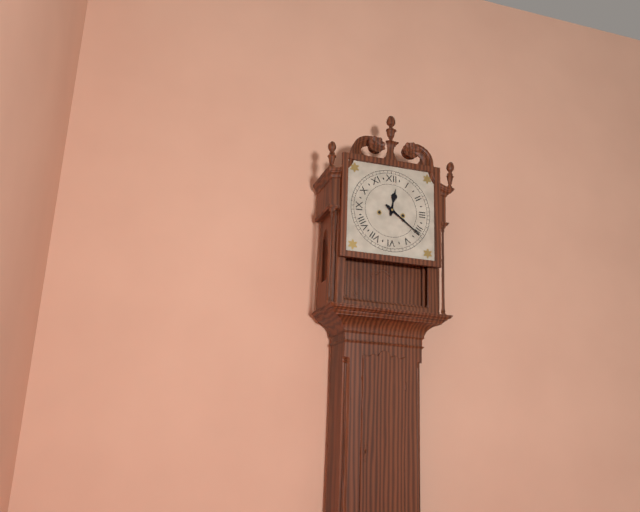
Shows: 12:21
